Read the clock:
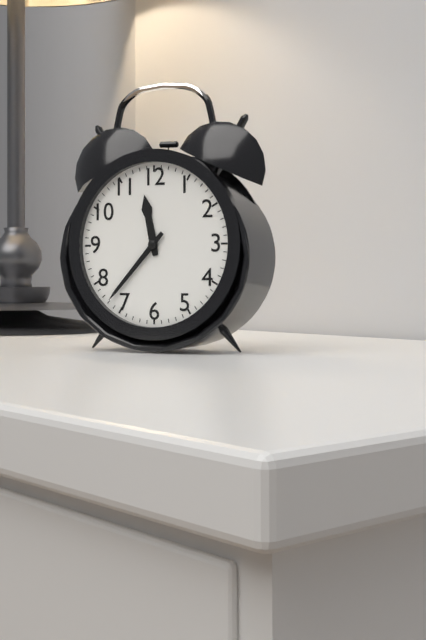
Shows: 11:37
